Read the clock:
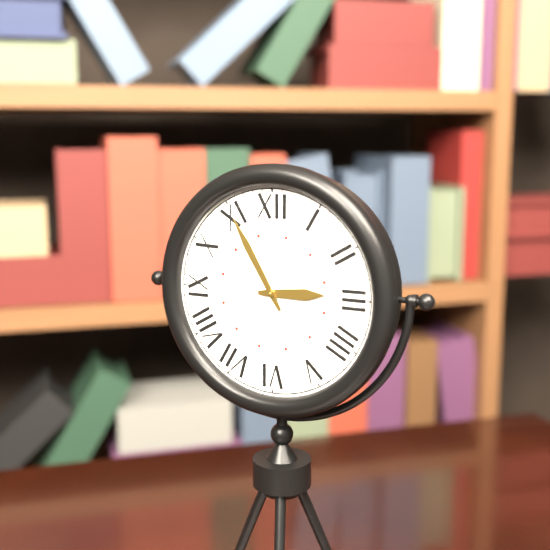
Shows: 2:55
